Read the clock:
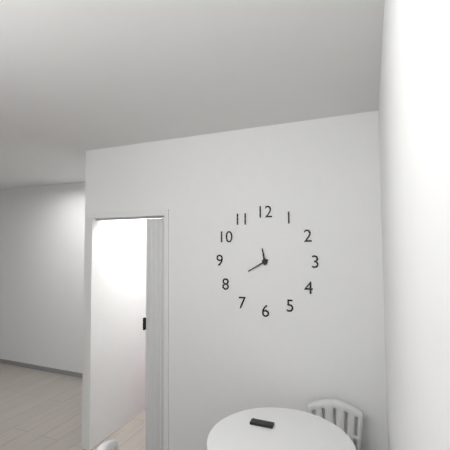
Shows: 11:40
